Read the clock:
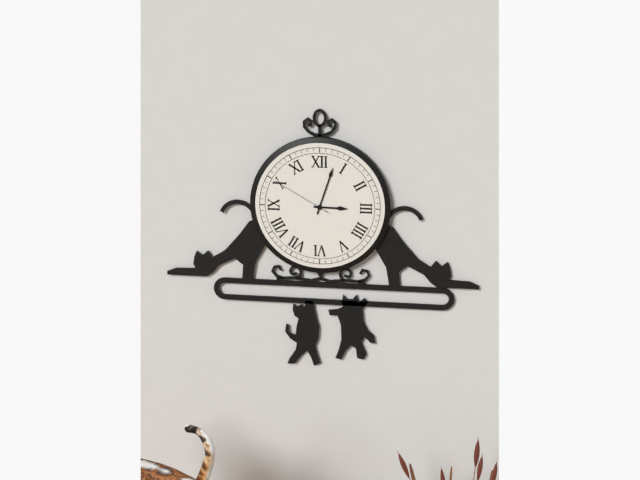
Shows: 3:03:50
